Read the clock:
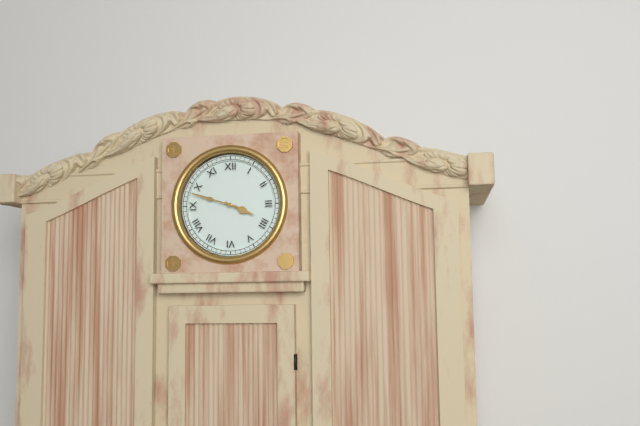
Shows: 3:48
